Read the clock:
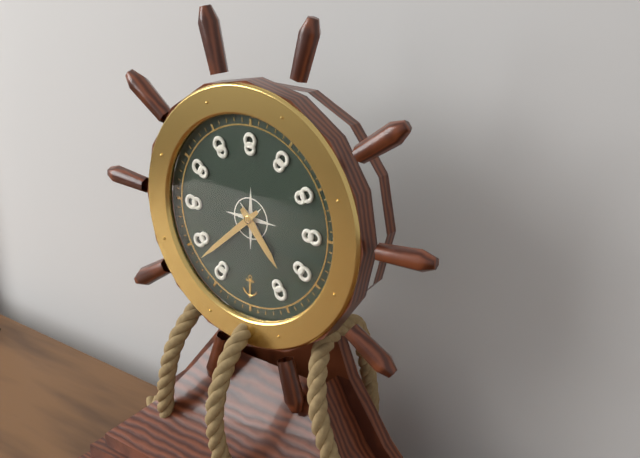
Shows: 4:38
